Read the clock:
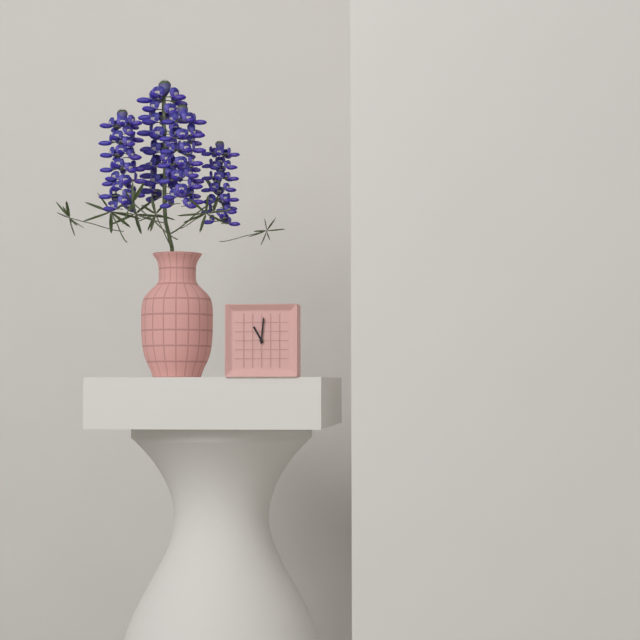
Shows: 11:01
